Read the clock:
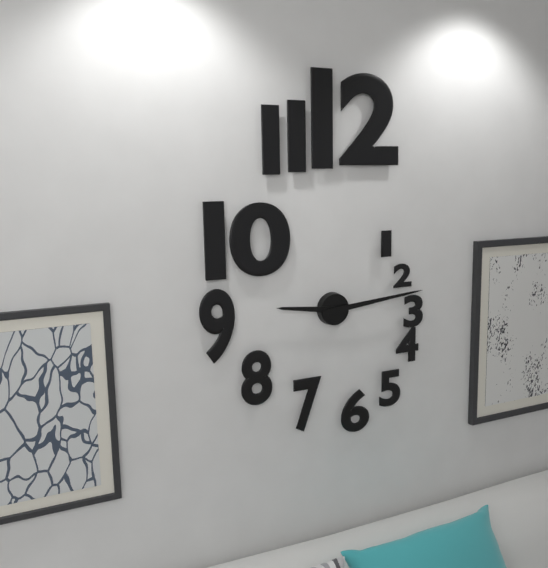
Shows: 9:14
